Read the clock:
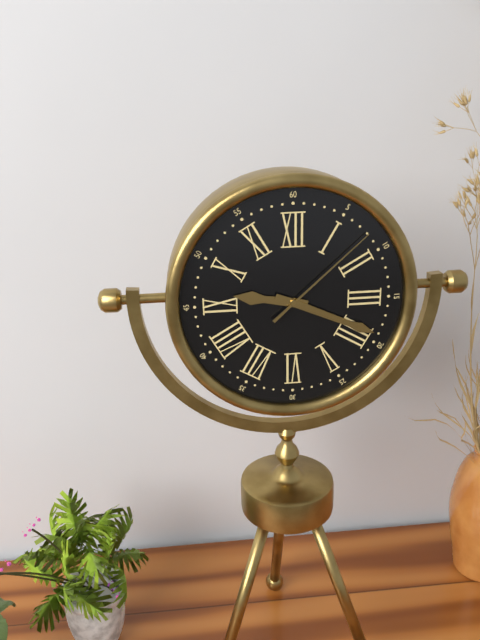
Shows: 9:19:08
